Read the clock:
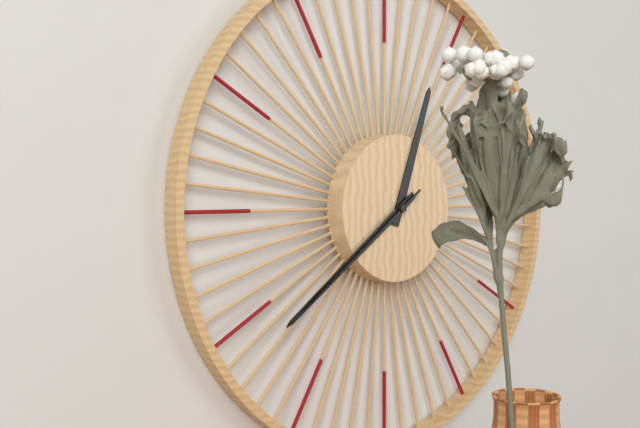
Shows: 12:39:39
